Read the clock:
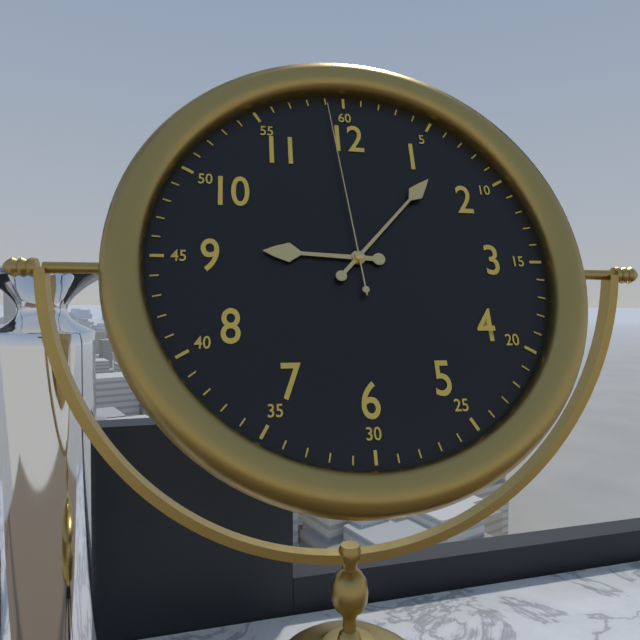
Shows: 9:07:59
